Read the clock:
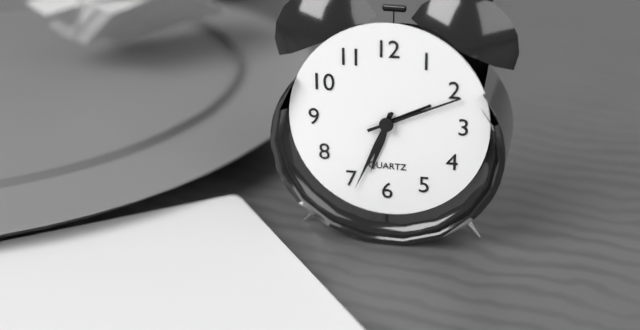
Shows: 6:34:11
